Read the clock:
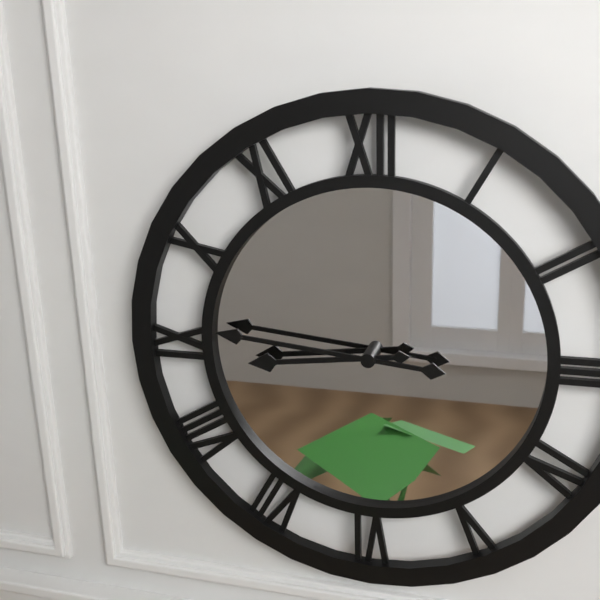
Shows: 8:46
